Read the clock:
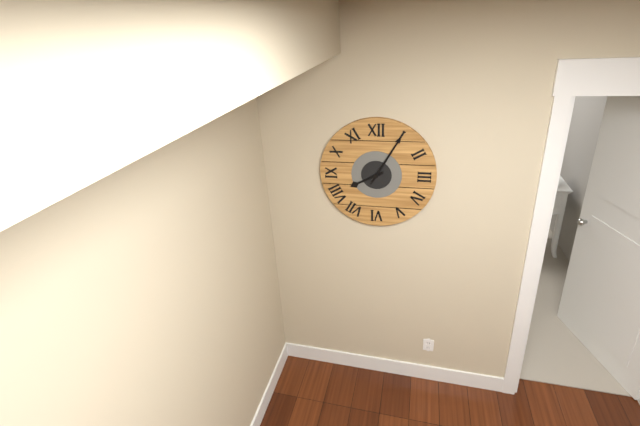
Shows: 8:05
